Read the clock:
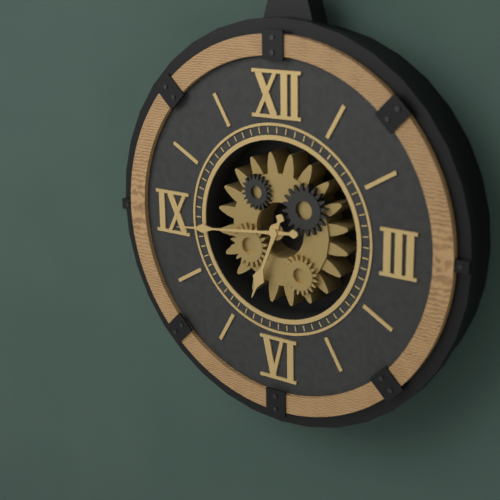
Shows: 6:44
